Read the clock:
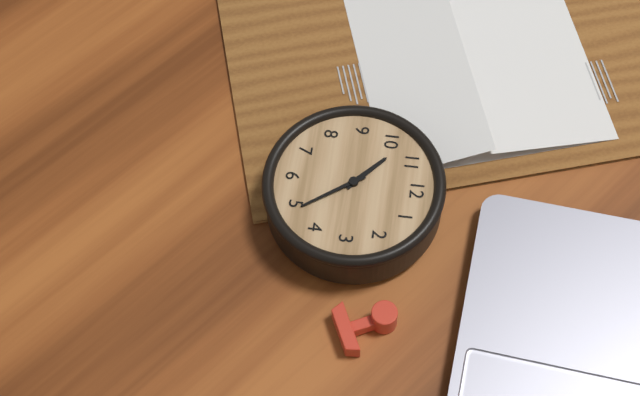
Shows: 10:24
